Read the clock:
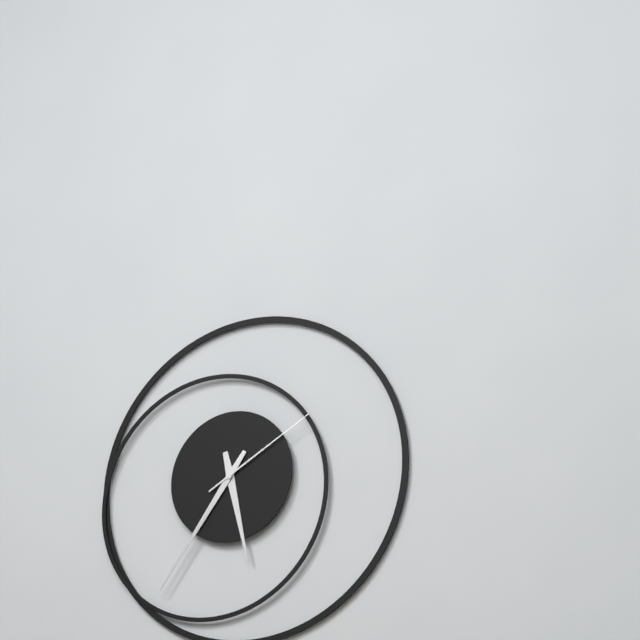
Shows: 5:36:10
